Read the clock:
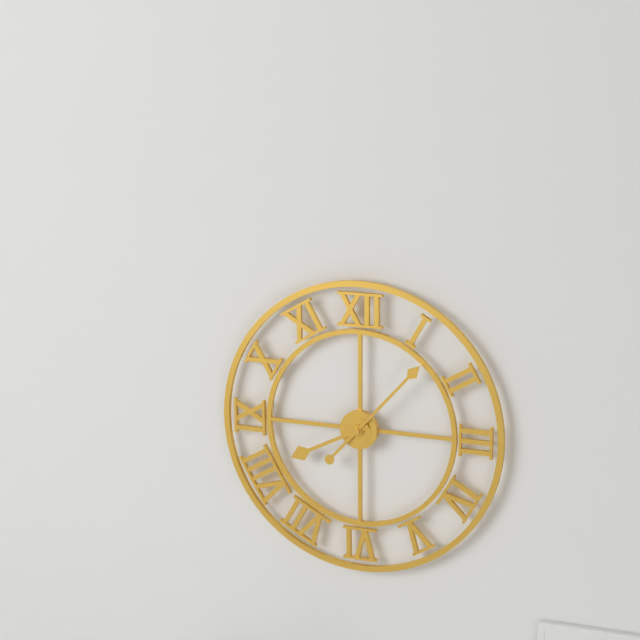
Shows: 8:07
